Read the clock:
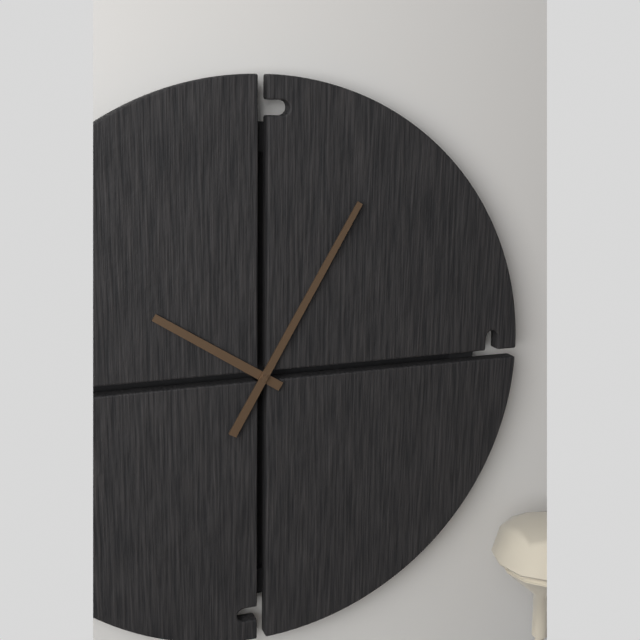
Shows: 10:05
